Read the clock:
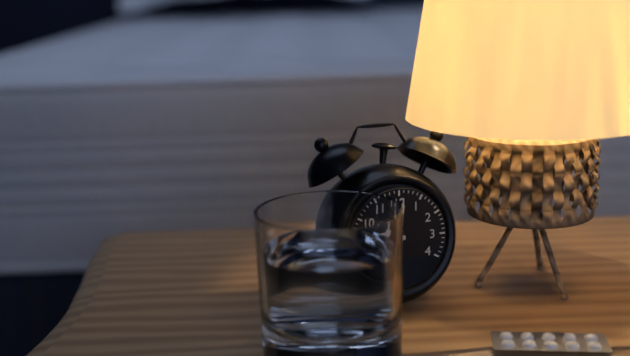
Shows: 9:01
